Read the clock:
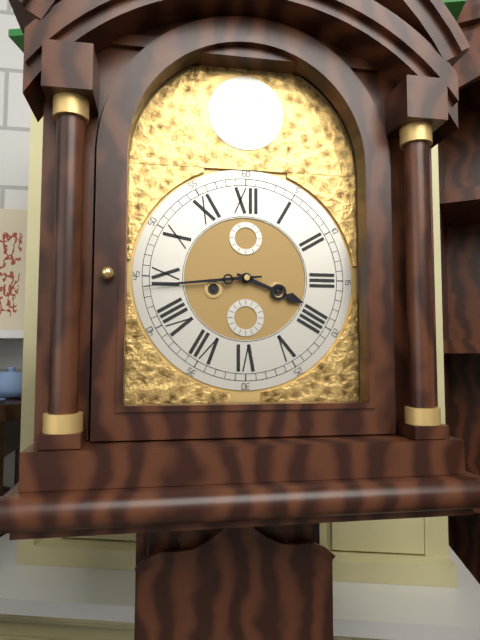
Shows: 3:44
